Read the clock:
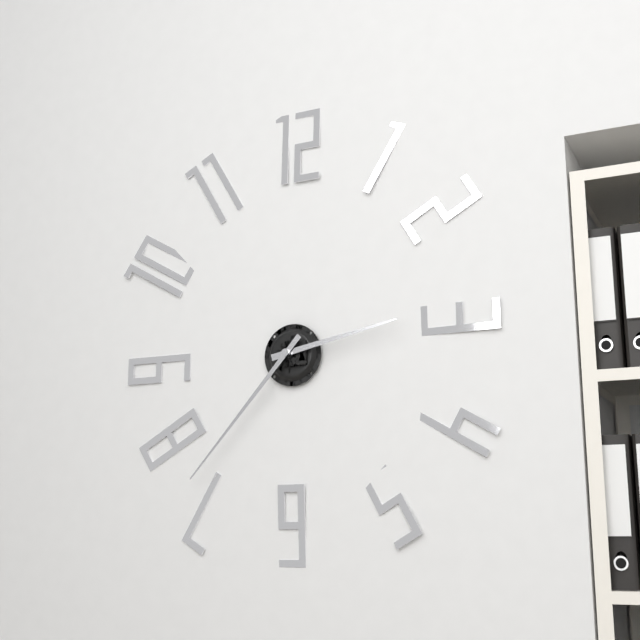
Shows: 2:37
